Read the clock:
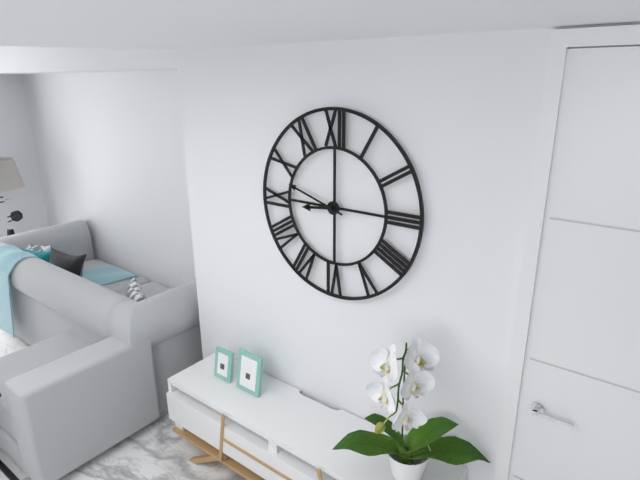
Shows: 8:48
